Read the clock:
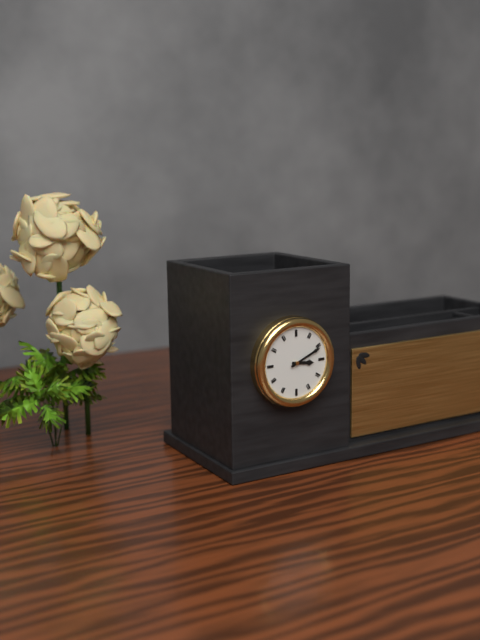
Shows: 3:11
